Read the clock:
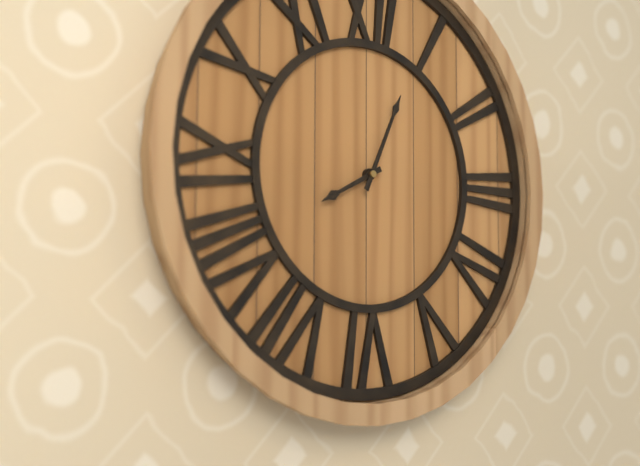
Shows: 8:04
